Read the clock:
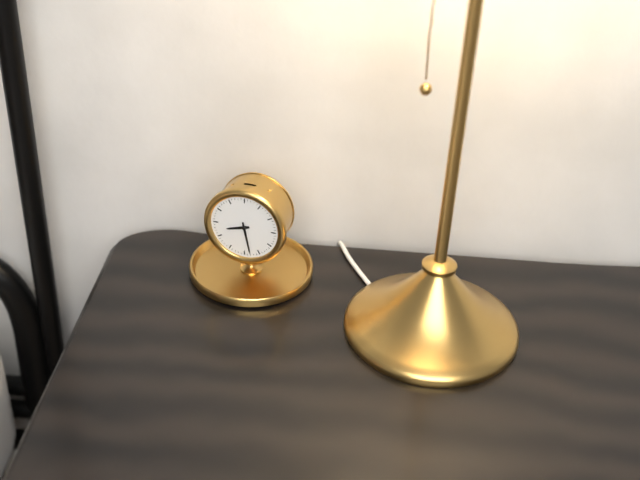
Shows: 8:28
